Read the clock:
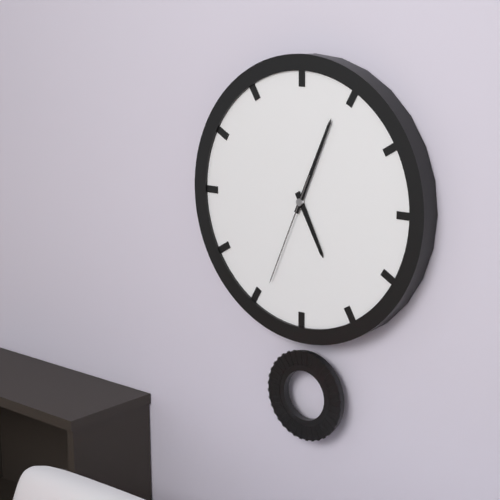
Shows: 5:04:34
